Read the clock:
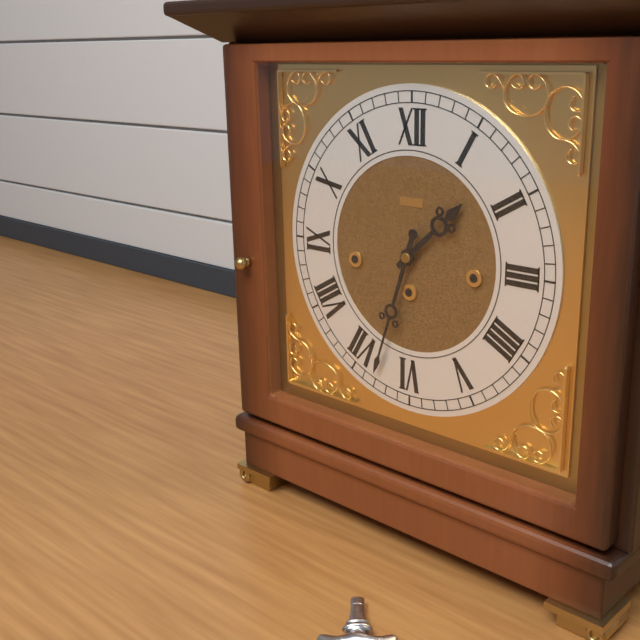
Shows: 1:33
